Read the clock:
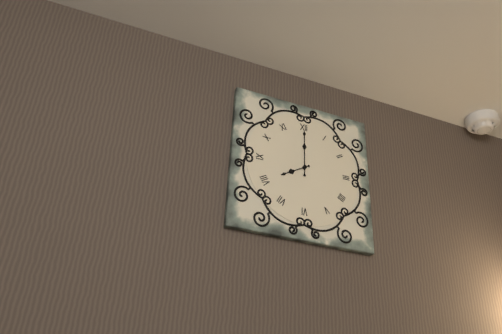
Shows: 8:00
